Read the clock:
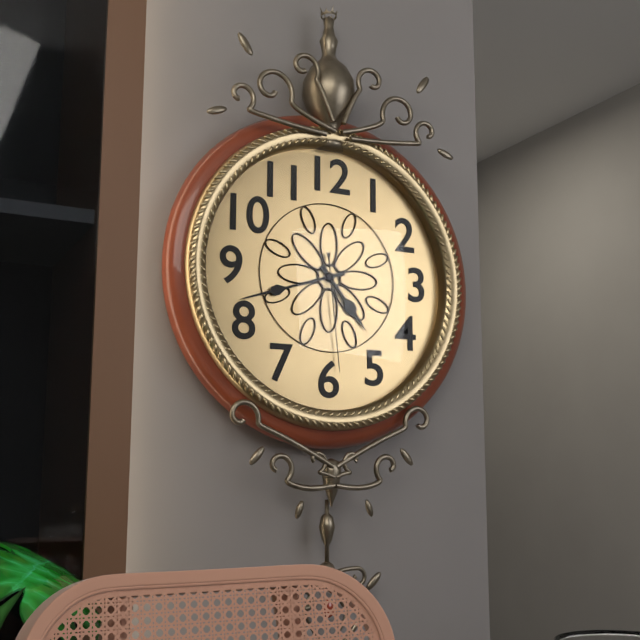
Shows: 4:42:29
